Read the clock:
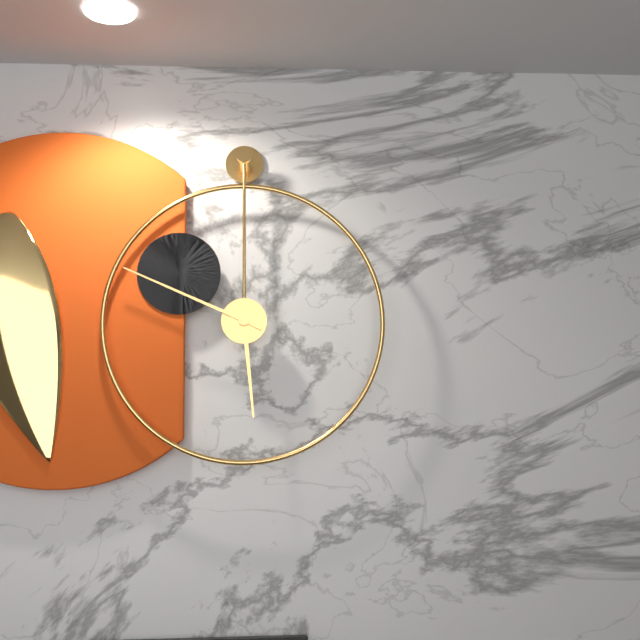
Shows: 5:49
